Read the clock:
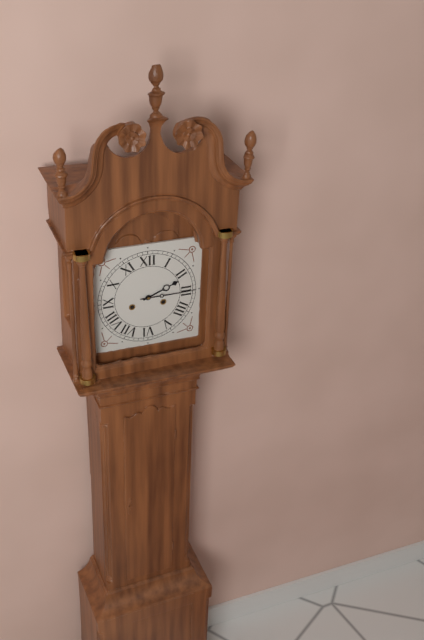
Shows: 2:15
